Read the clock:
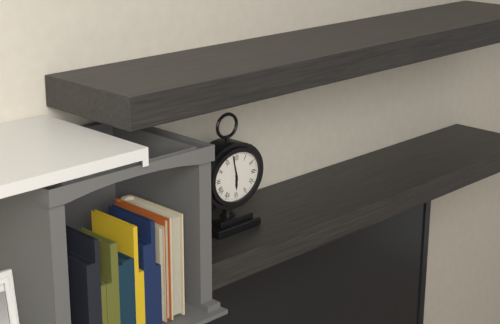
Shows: 5:58
